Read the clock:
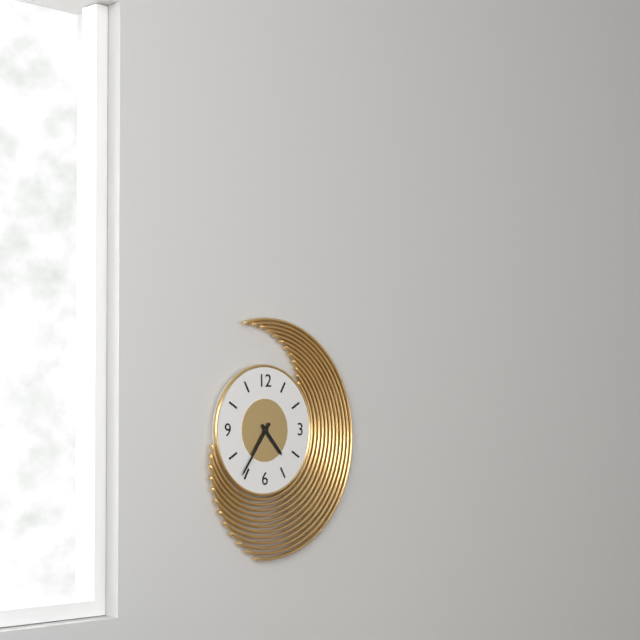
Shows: 4:36
